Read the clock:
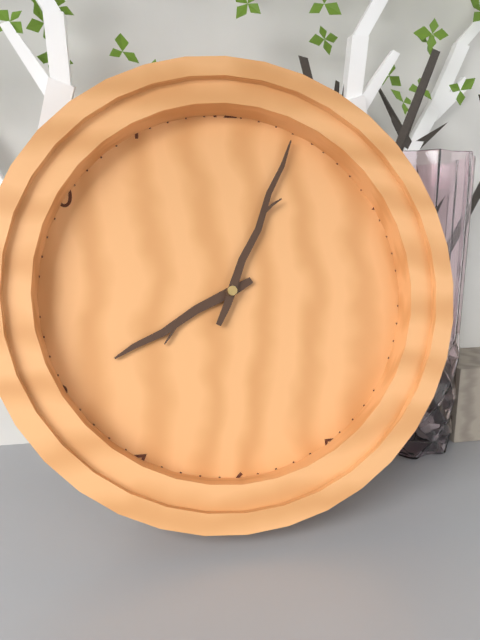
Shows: 8:04
